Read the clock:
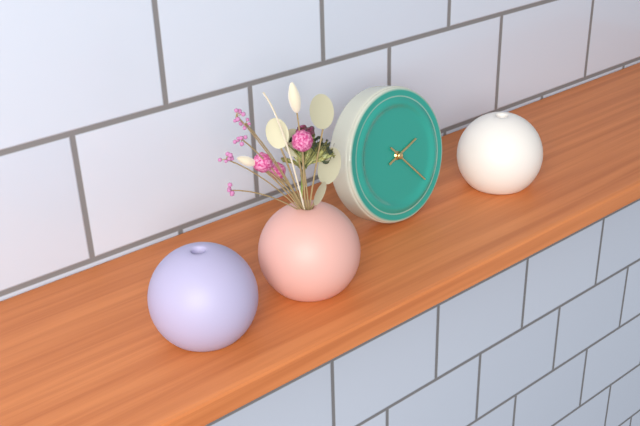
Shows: 2:23
